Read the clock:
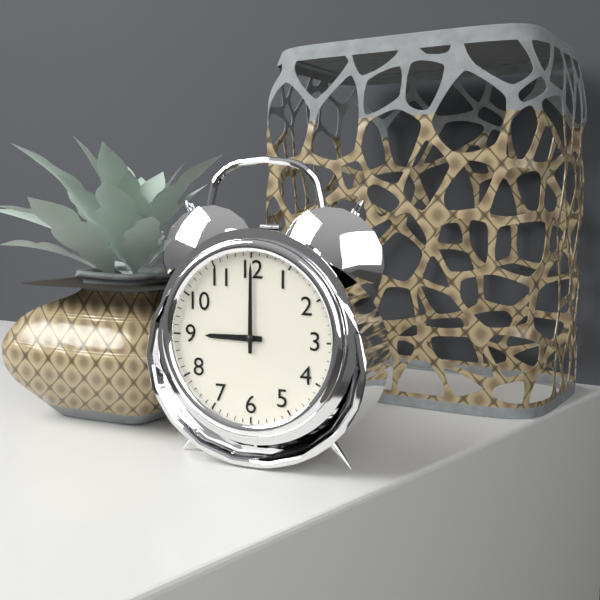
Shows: 9:00
